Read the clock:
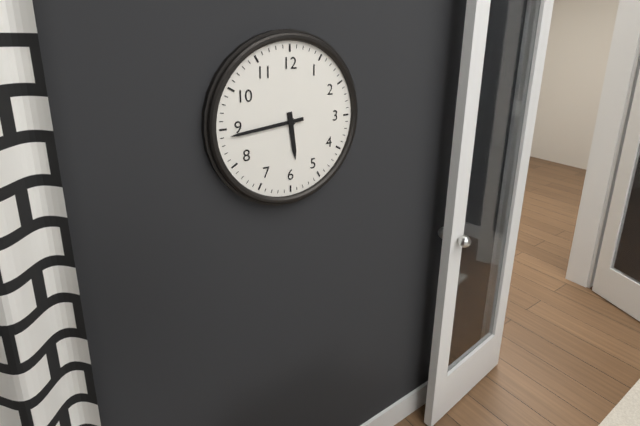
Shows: 5:44
